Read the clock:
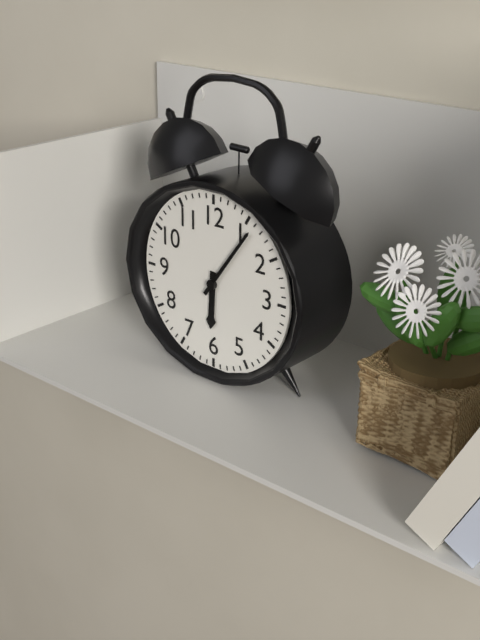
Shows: 6:06
